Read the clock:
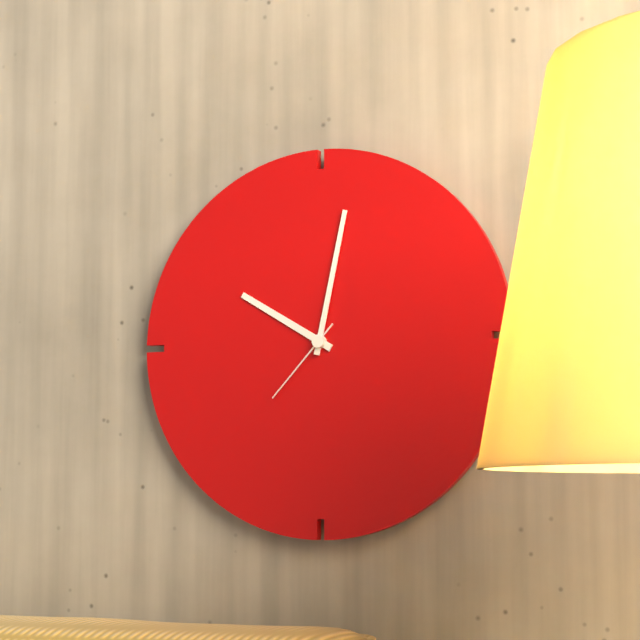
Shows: 10:02:37
